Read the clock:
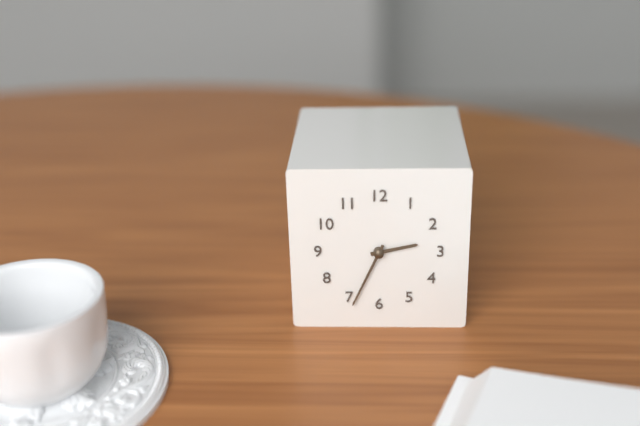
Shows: 2:34
